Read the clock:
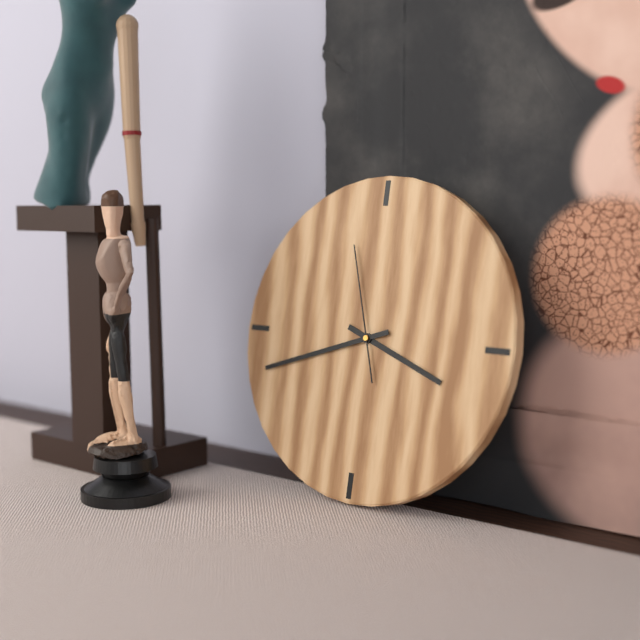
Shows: 3:42:57
